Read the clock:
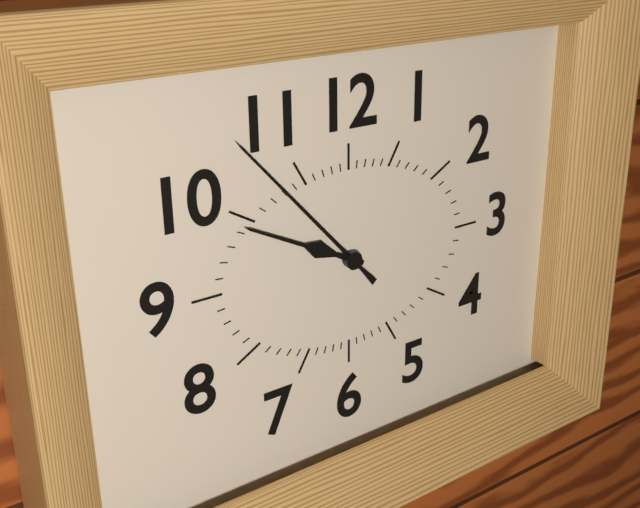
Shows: 9:53
